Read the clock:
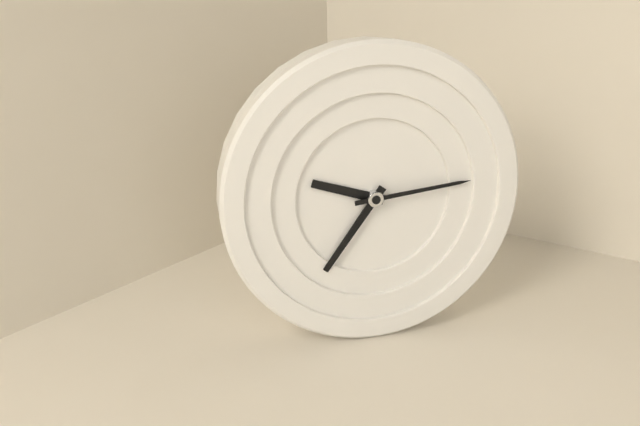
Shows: 9:36:14
